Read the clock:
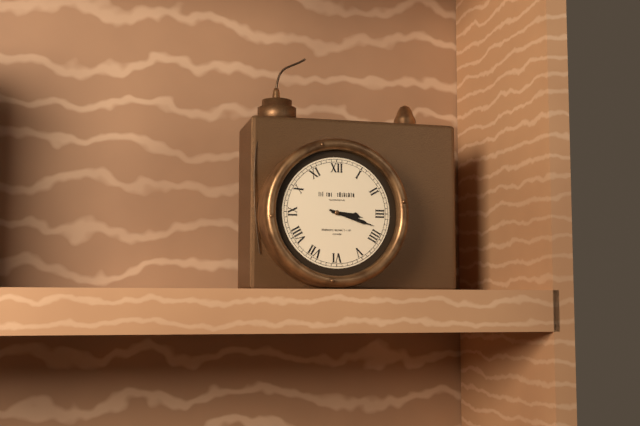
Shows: 3:18
